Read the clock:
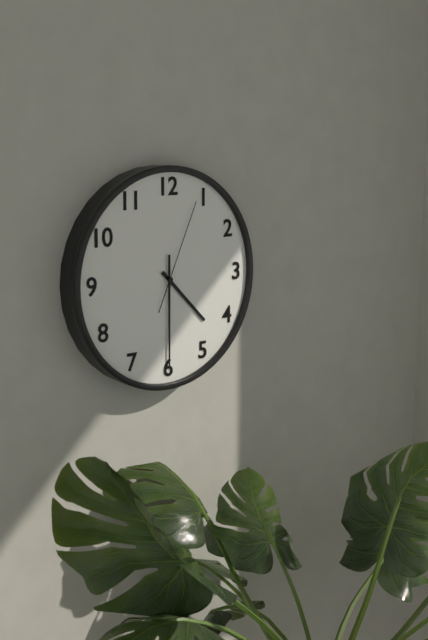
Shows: 4:30:04
